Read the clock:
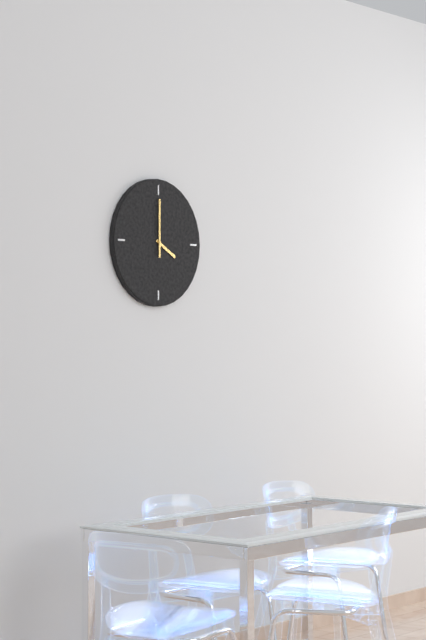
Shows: 4:00
